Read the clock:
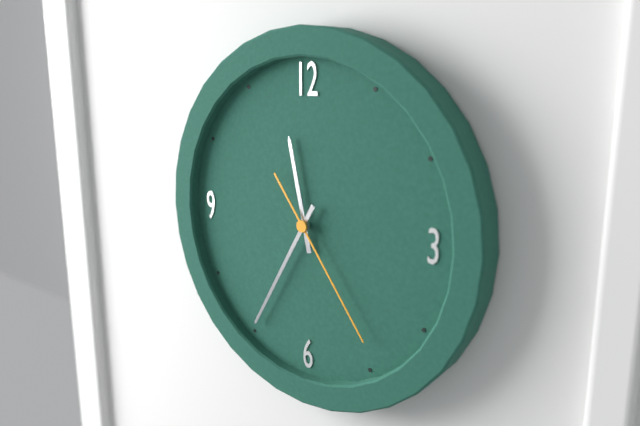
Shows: 11:35:24
